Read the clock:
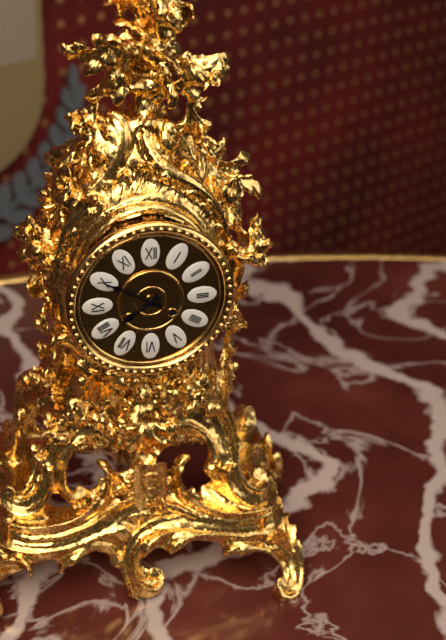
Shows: 7:50
